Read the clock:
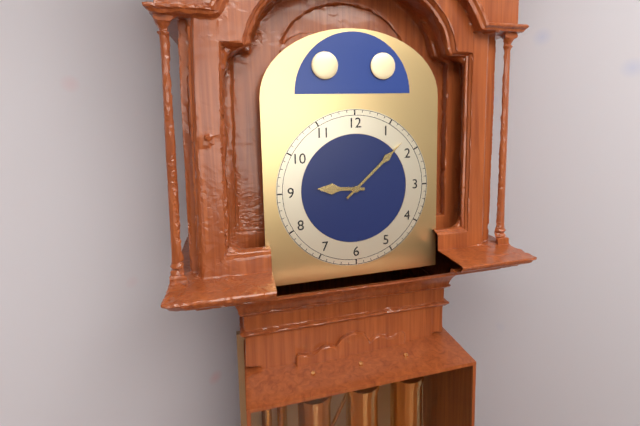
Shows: 9:08
